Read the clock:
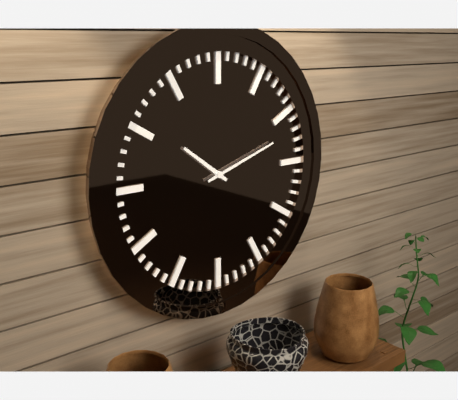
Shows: 10:12
